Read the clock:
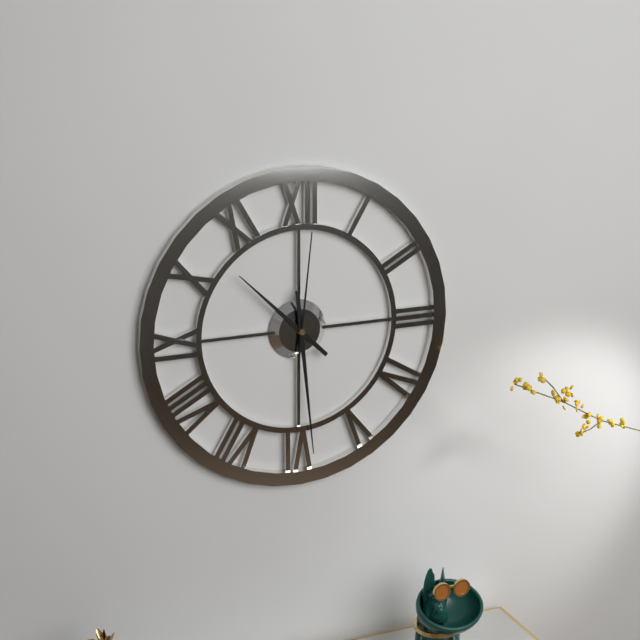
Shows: 10:29:01
